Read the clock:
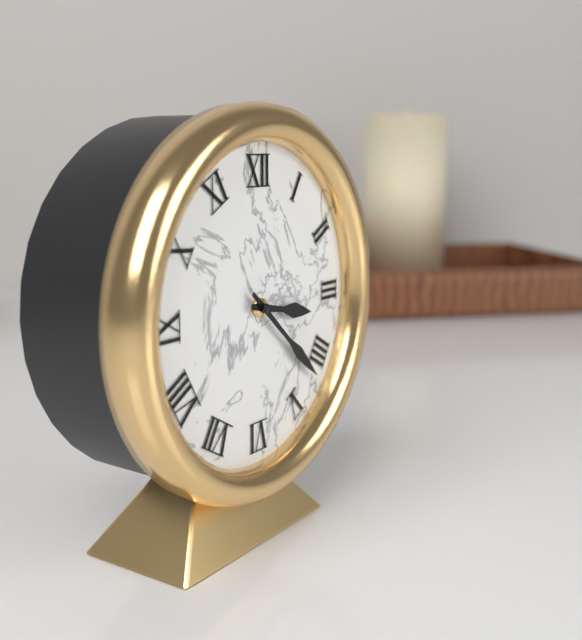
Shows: 3:22
